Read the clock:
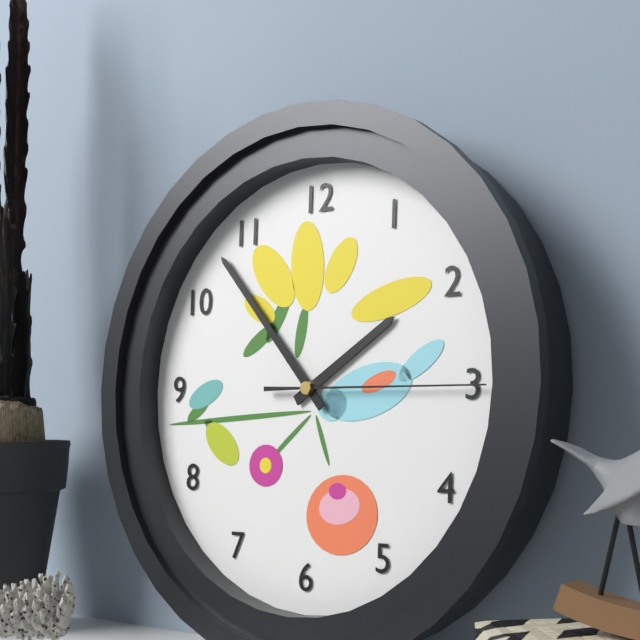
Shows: 1:53:15
